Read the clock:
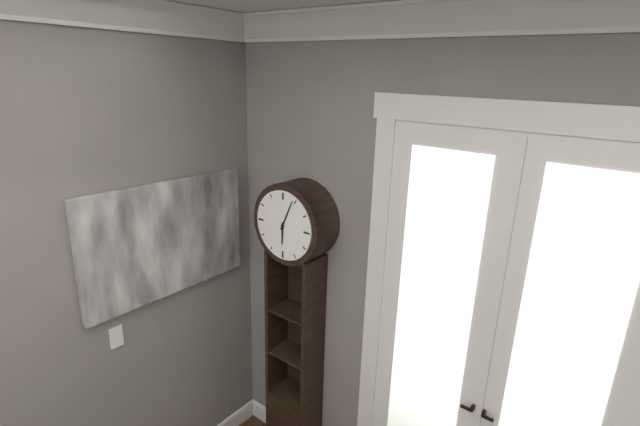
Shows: 6:04
